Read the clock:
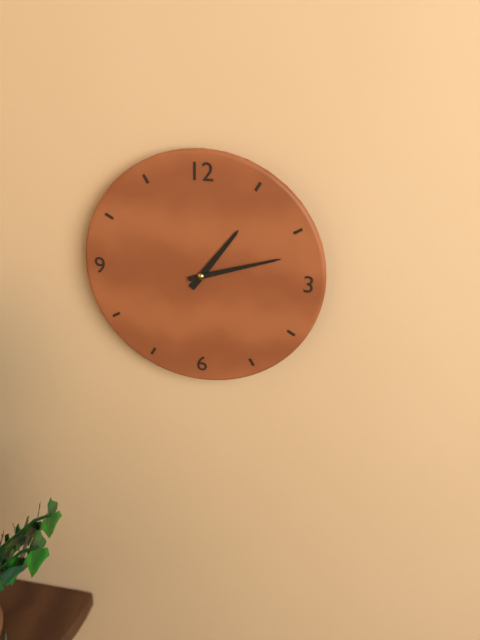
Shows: 1:12
